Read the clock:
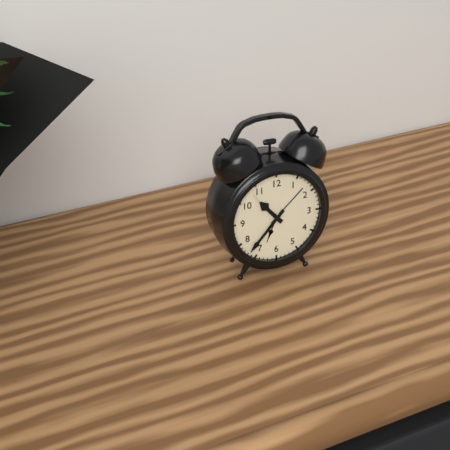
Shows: 10:37
